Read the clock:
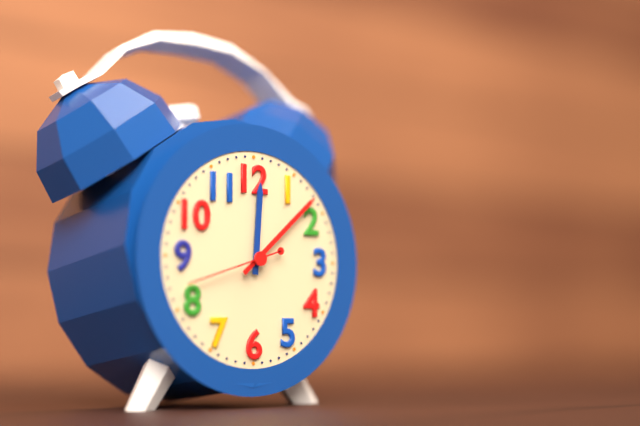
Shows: 12:08:42
